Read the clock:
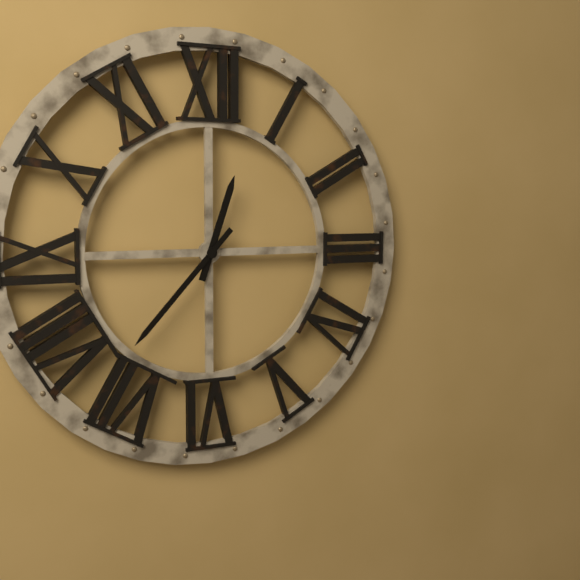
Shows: 12:37
